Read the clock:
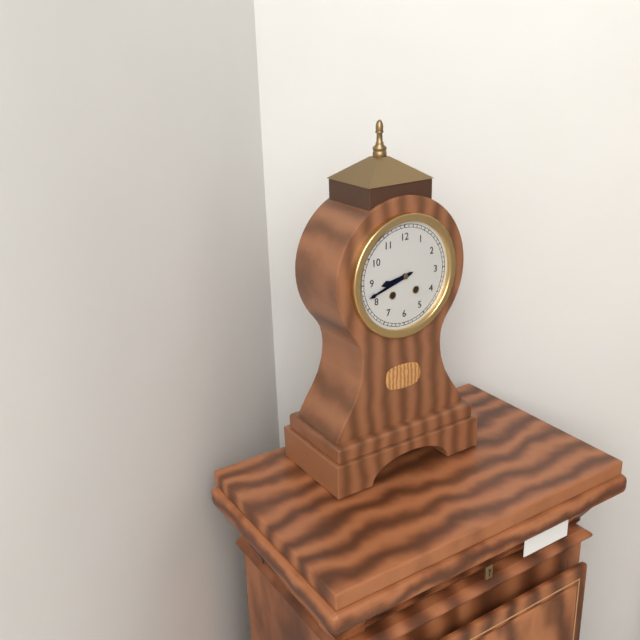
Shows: 8:42
